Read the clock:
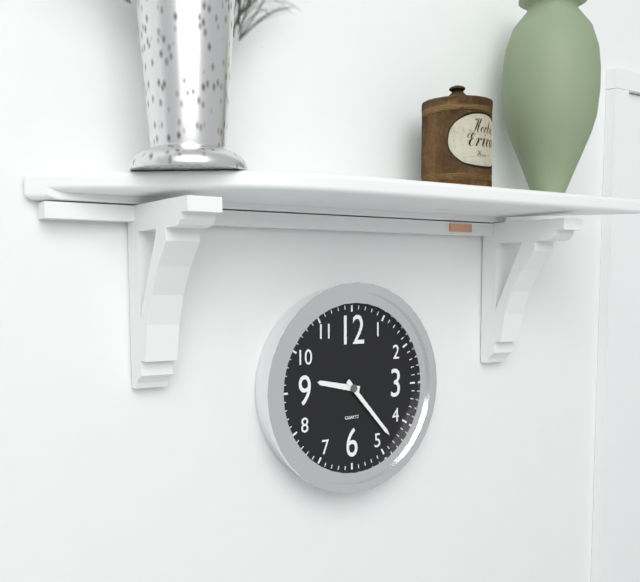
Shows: 9:23
